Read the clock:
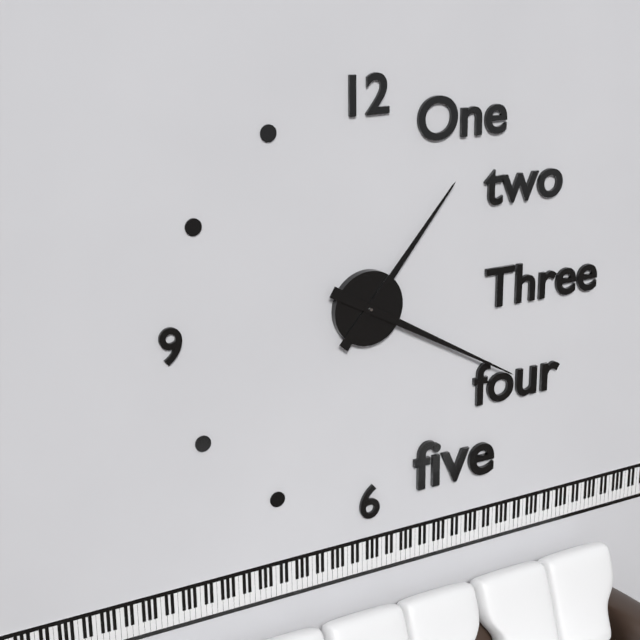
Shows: 1:20
